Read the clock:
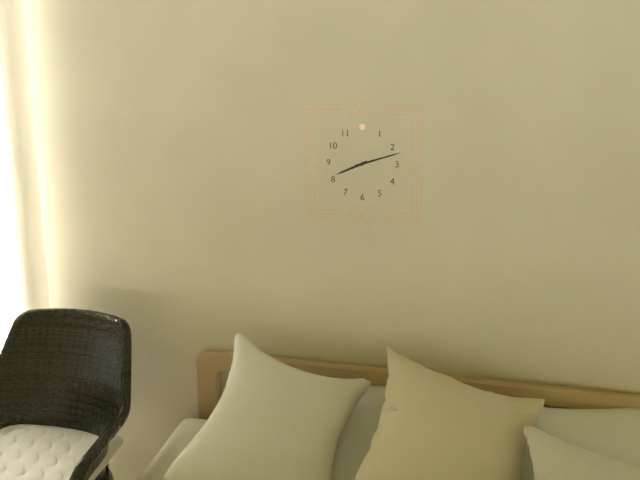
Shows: 8:12
